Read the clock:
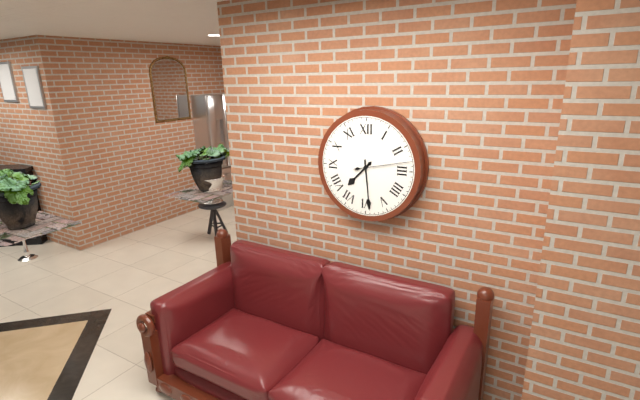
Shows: 7:29:13
